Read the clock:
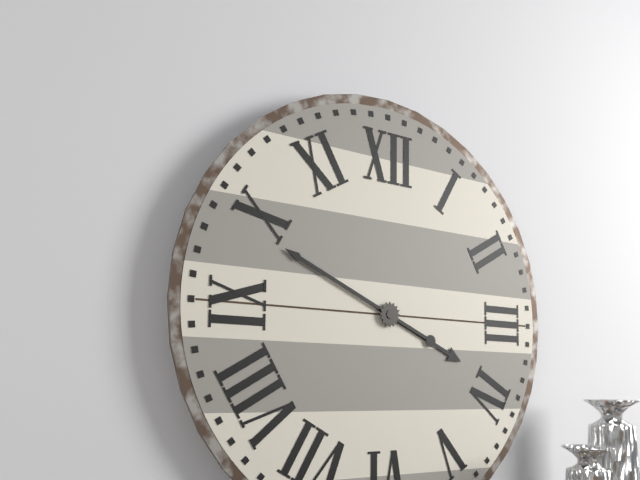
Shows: 3:49
